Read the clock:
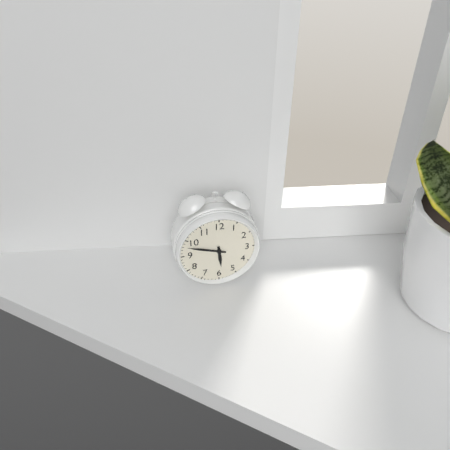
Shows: 5:48
